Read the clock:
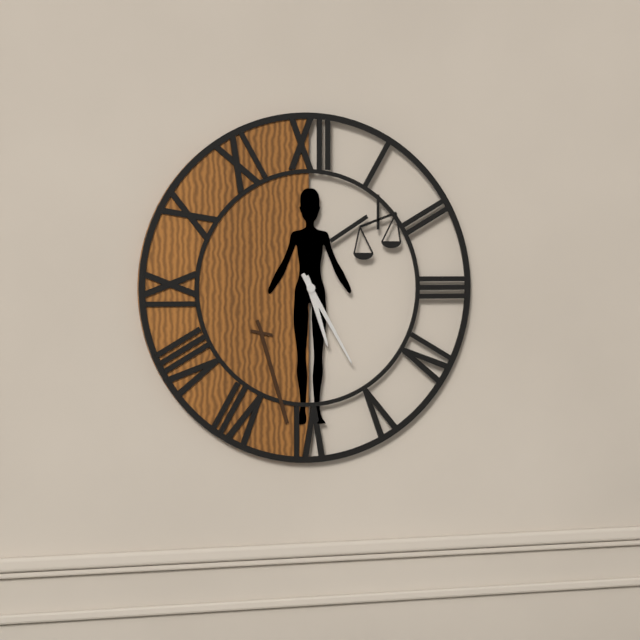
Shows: 5:25
